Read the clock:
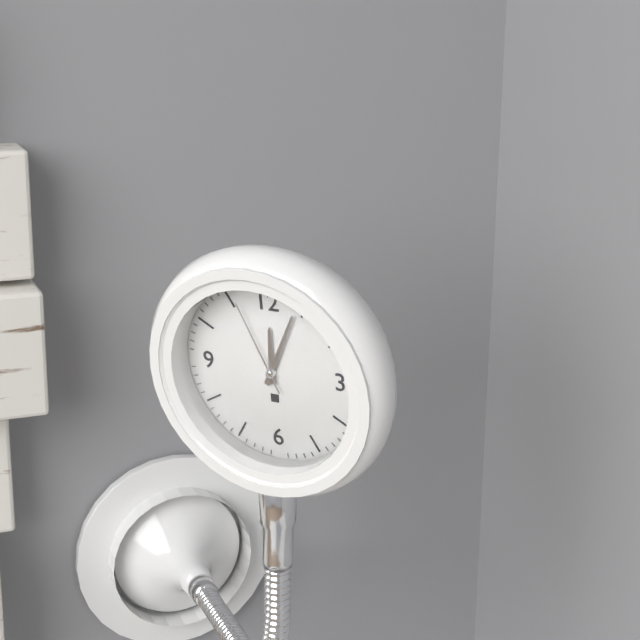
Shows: 12:04:56
